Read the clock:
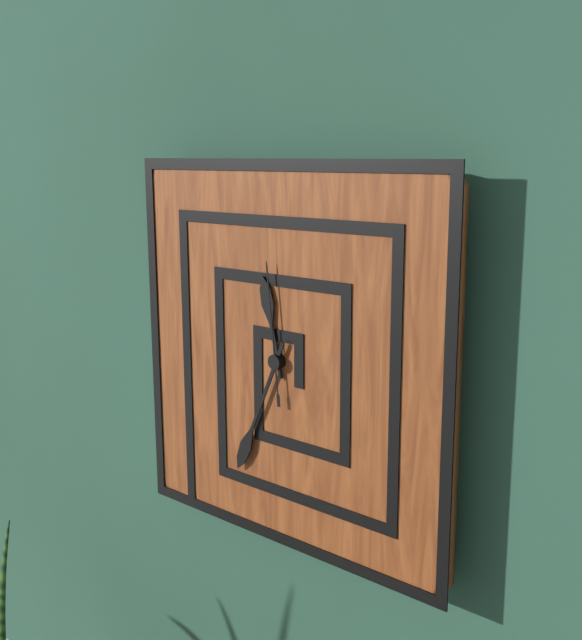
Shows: 11:34:59
